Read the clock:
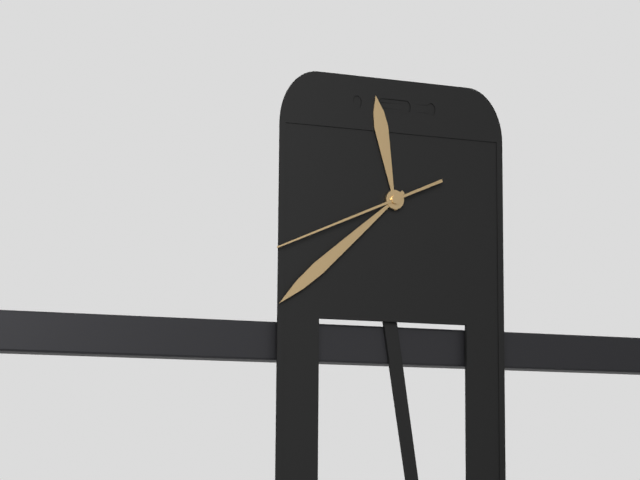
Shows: 11:38:41
